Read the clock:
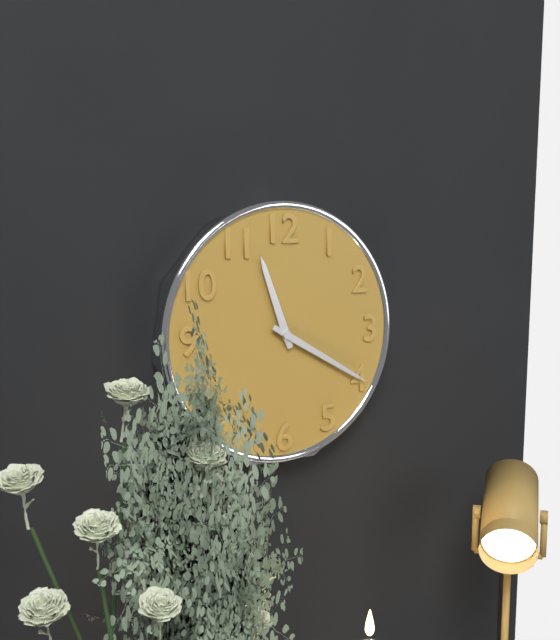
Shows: 11:20
